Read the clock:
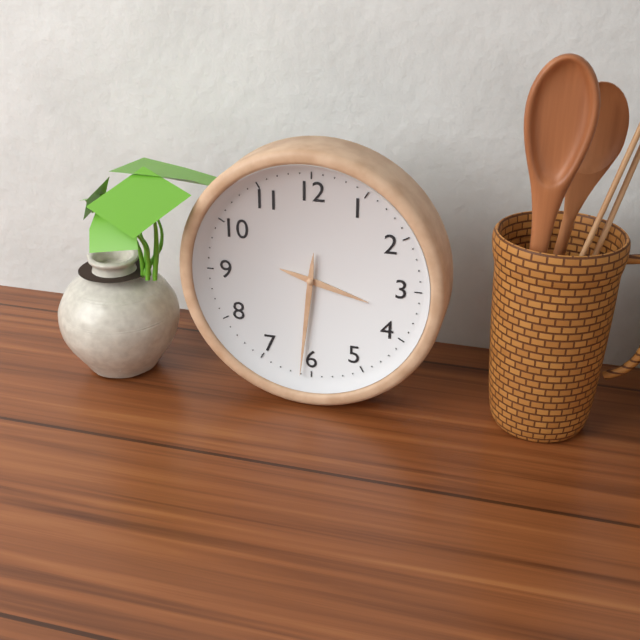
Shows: 3:31
